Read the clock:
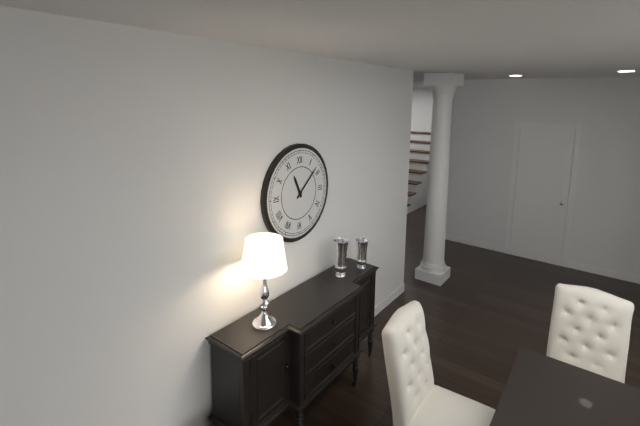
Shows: 11:08
